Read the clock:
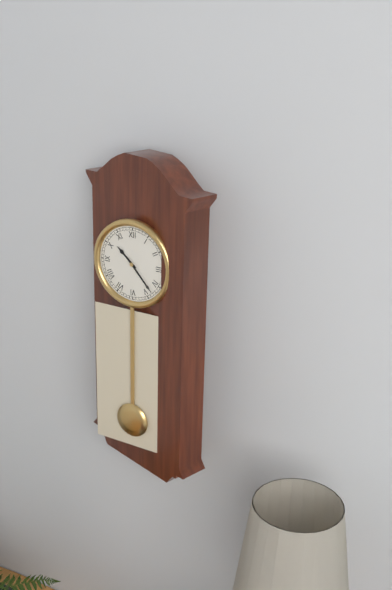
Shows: 10:23
